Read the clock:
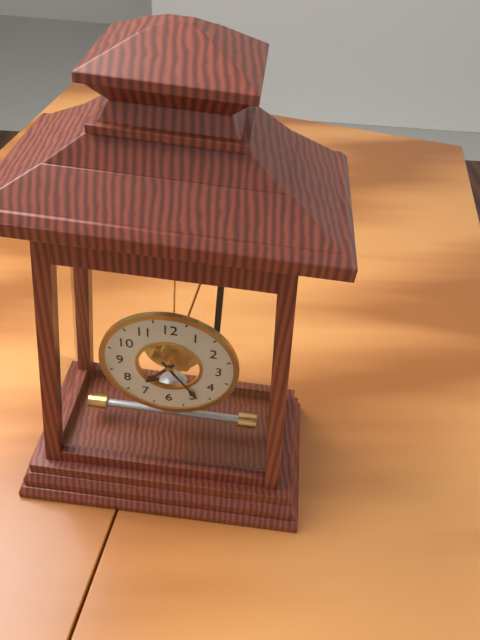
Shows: 7:24
